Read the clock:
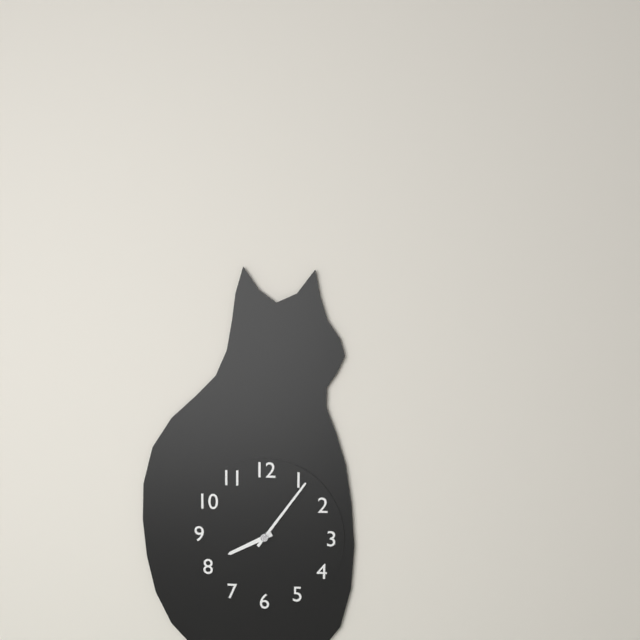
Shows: 8:06
